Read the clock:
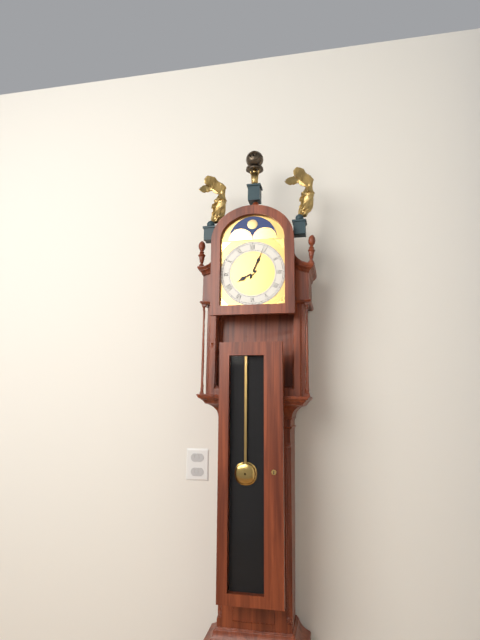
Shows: 8:04
